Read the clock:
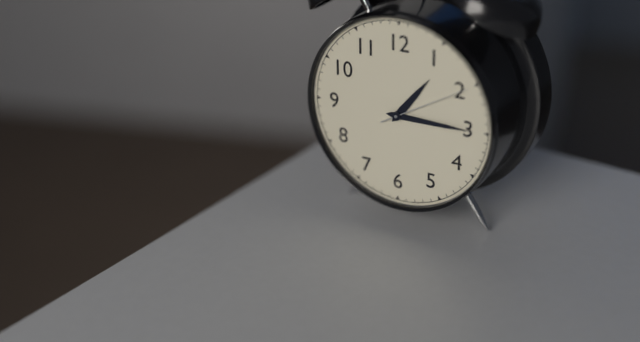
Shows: 1:15:10
